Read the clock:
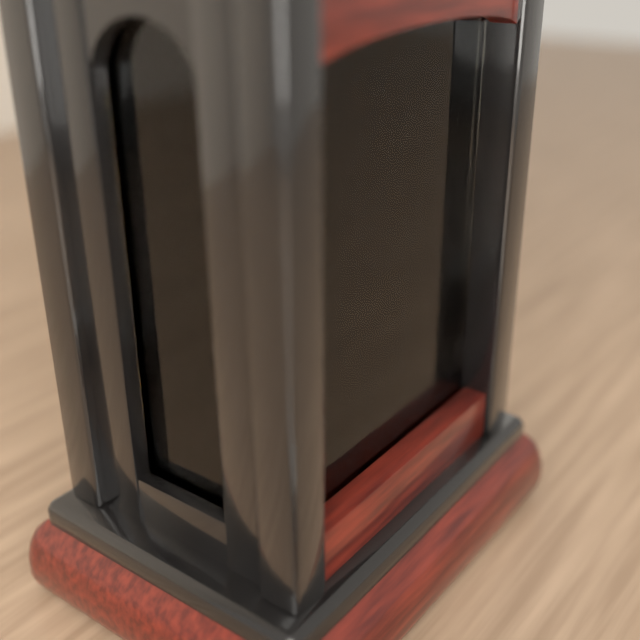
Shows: 11:04
